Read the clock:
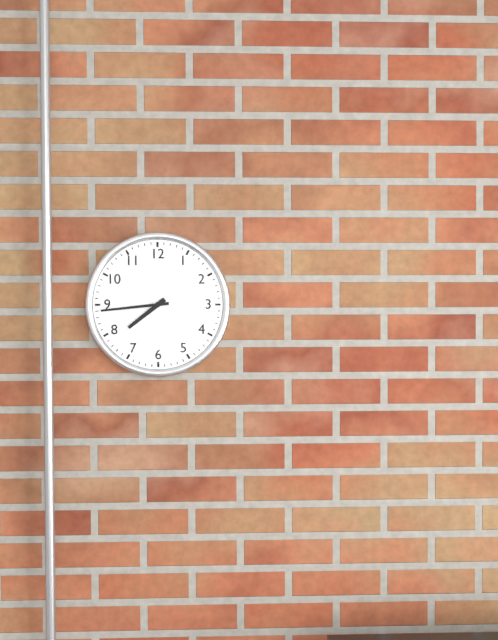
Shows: 7:44
